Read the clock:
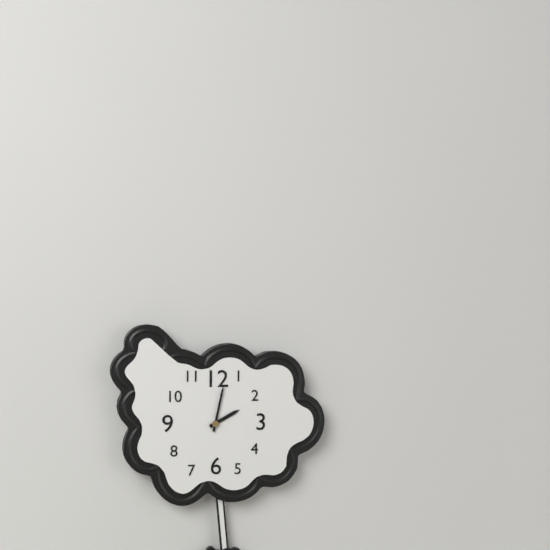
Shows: 2:02
